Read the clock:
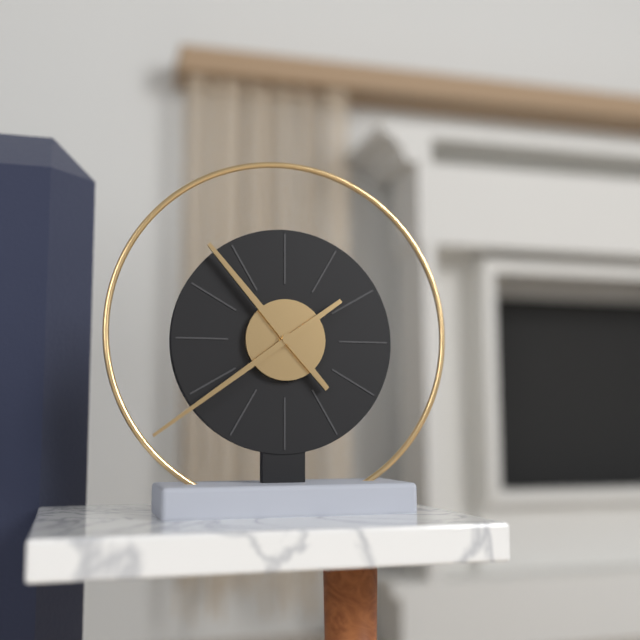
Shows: 10:39
